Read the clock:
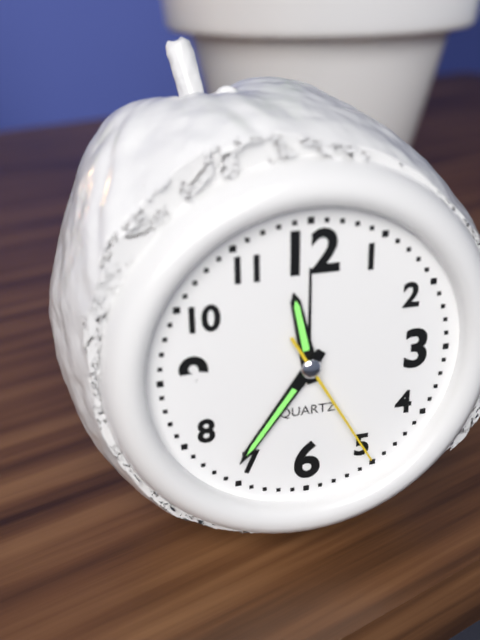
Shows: 11:36:25
